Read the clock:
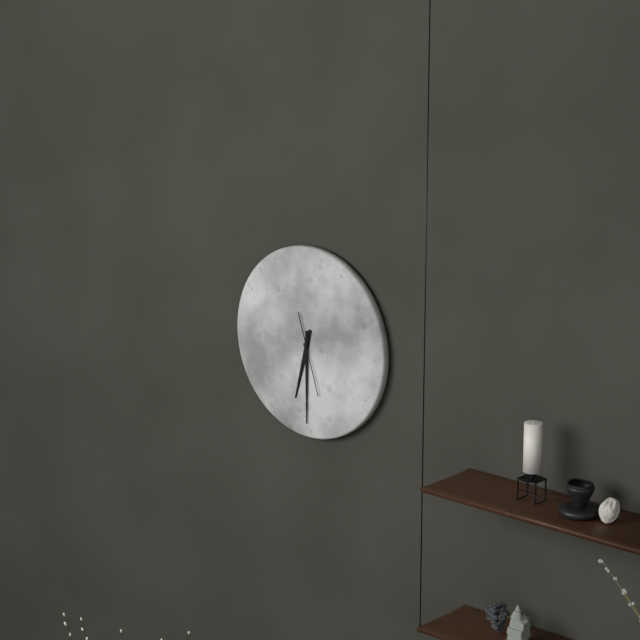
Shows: 6:30:27
